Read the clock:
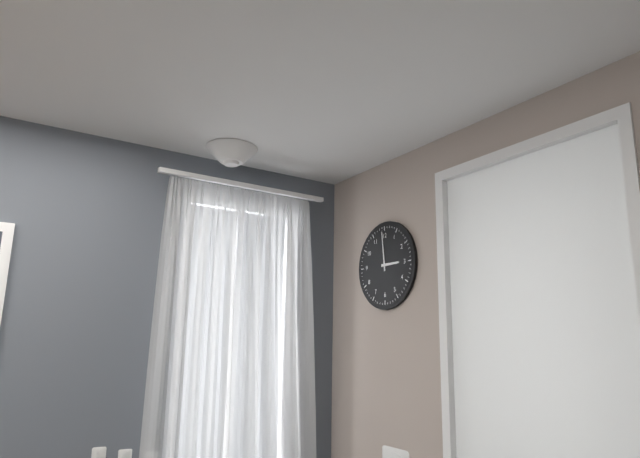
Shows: 2:59
